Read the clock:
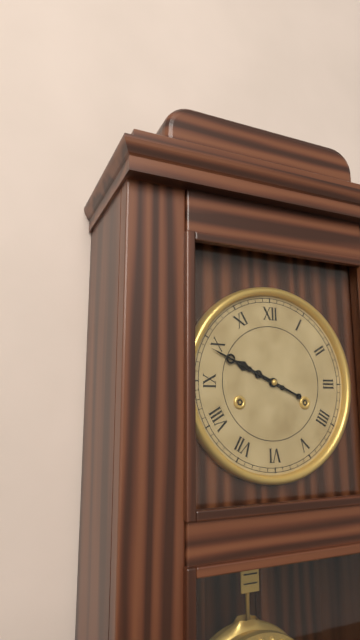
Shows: 9:49
